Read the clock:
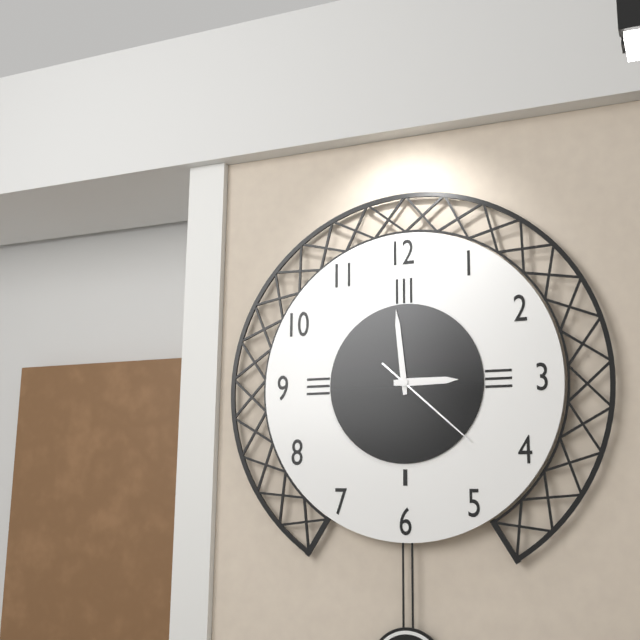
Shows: 2:59:22
